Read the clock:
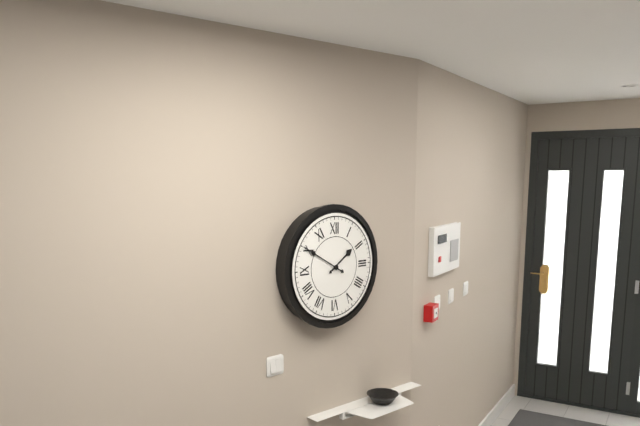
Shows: 1:50
